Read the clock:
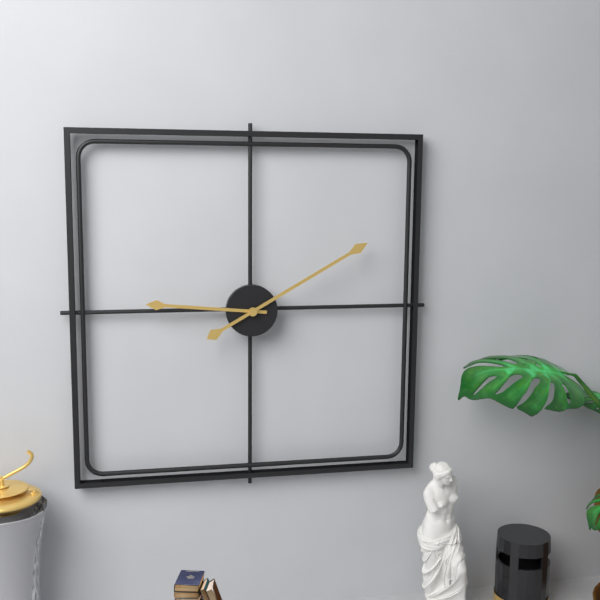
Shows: 9:10
